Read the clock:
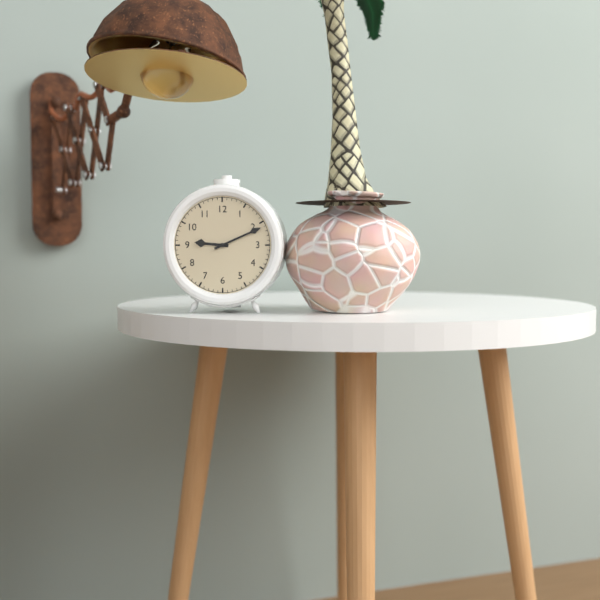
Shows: 9:11
